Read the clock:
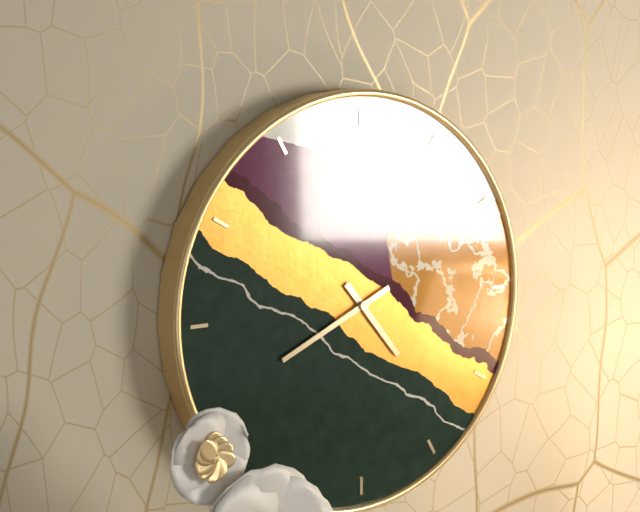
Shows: 4:41
